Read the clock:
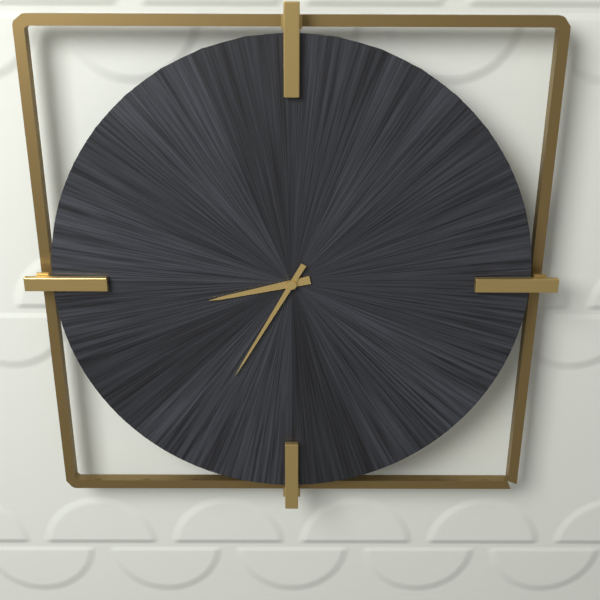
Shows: 8:35
